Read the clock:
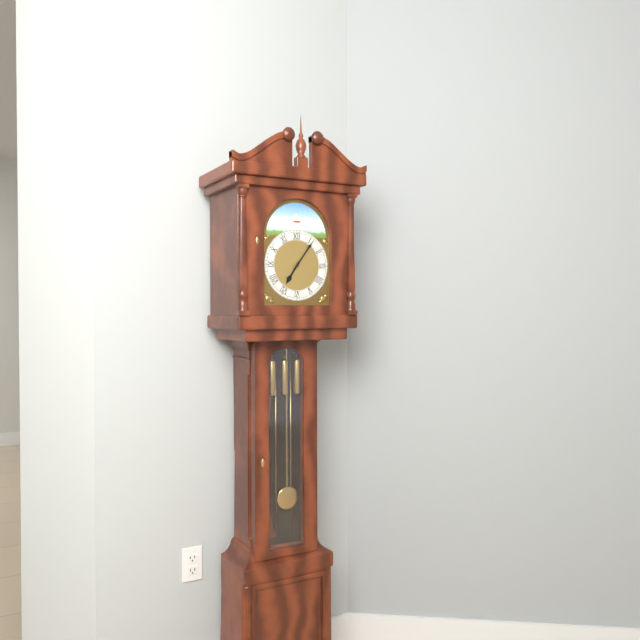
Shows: 7:06
